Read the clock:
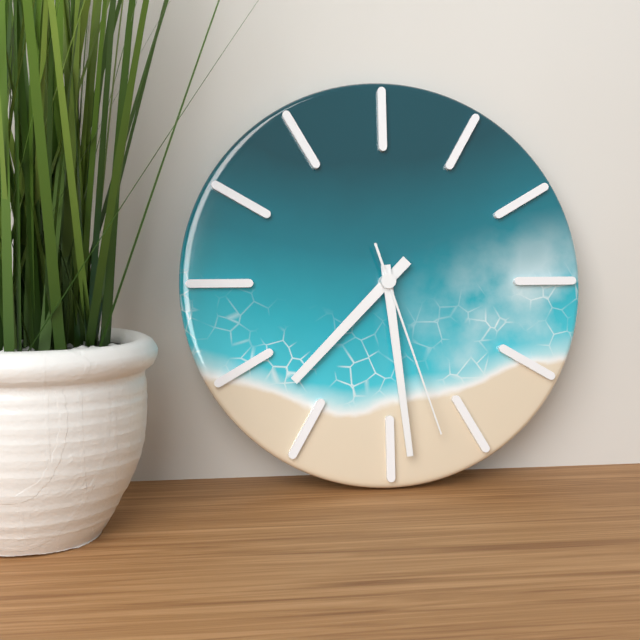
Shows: 7:29:27
